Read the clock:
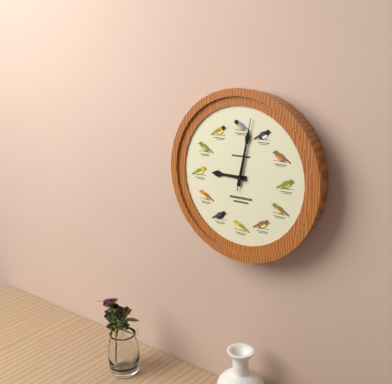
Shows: 9:02:02
